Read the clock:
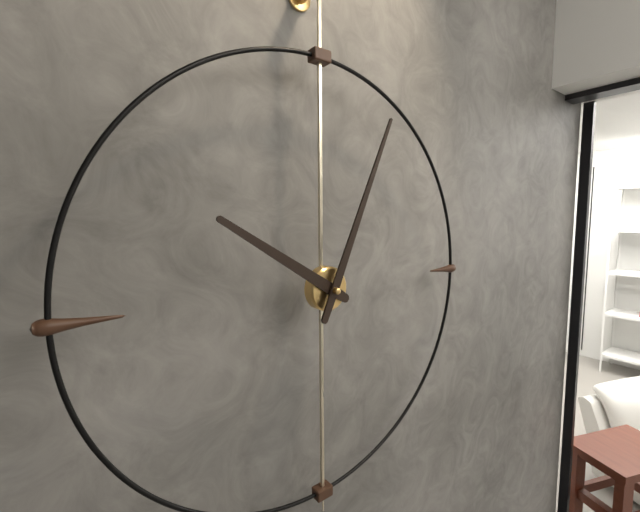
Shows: 10:04
